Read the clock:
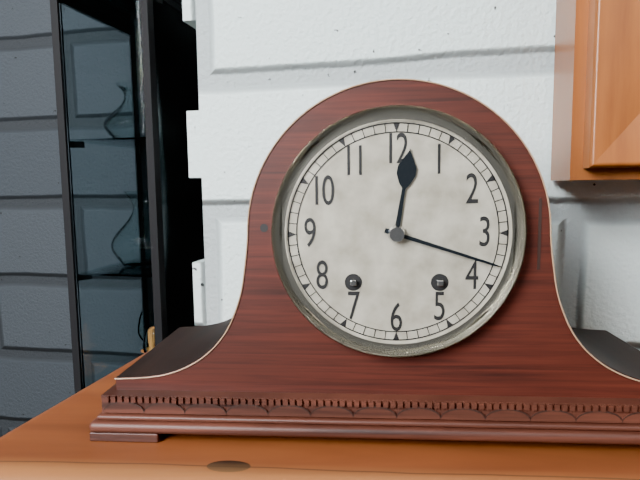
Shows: 12:18
